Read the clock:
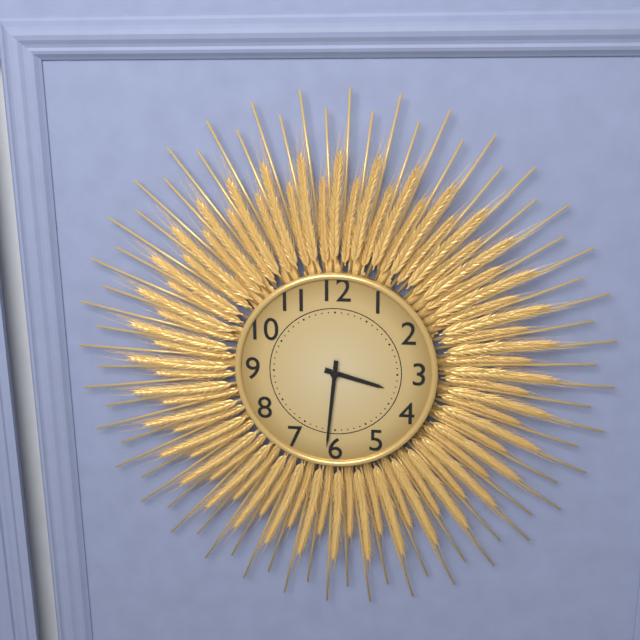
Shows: 3:31
